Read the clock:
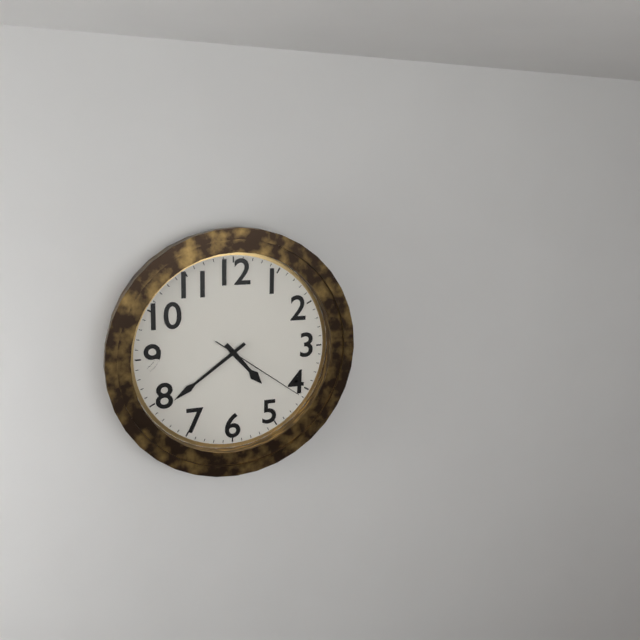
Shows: 4:39:21
